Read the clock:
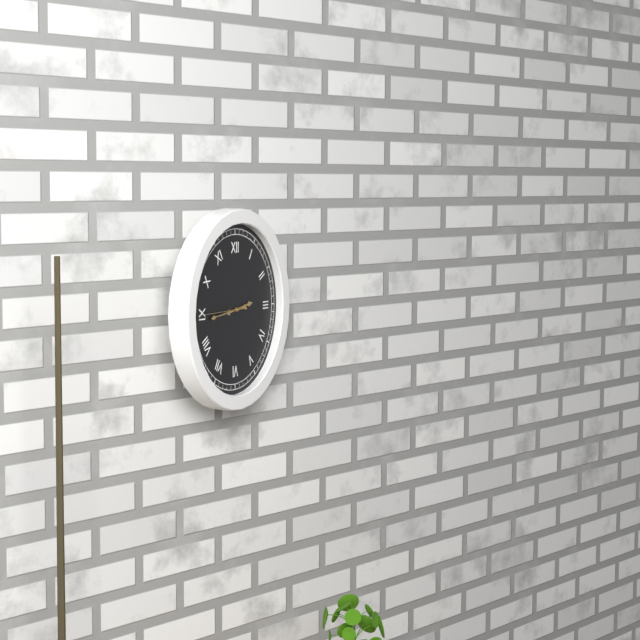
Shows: 2:44
